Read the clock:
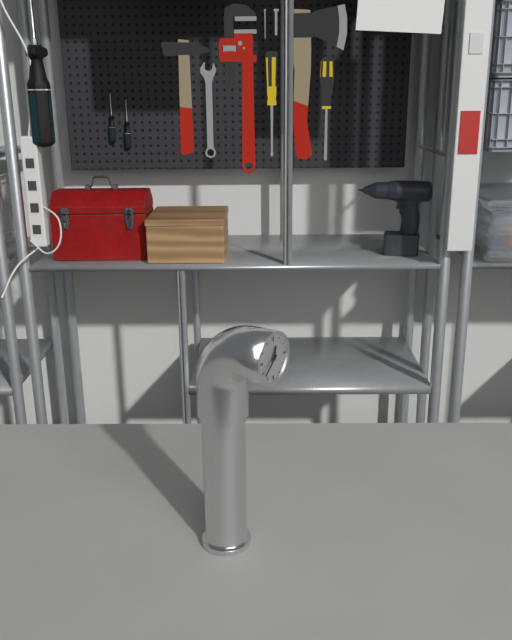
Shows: 12:38
